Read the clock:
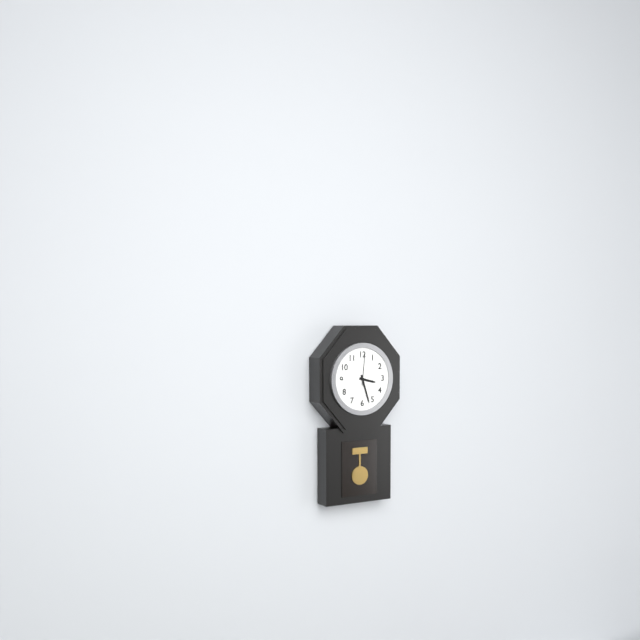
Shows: 3:27
